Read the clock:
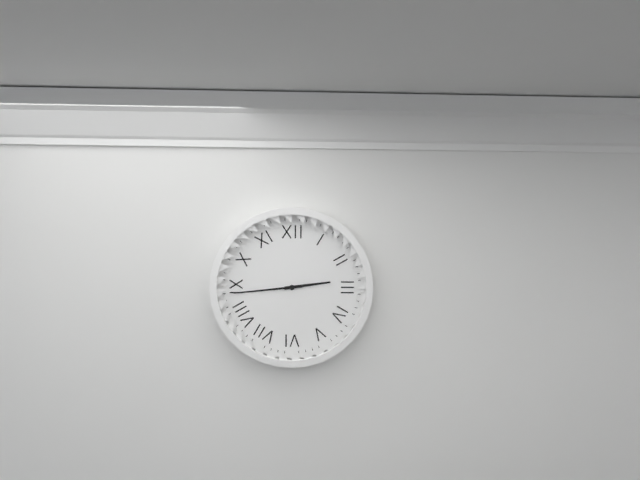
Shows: 2:44
